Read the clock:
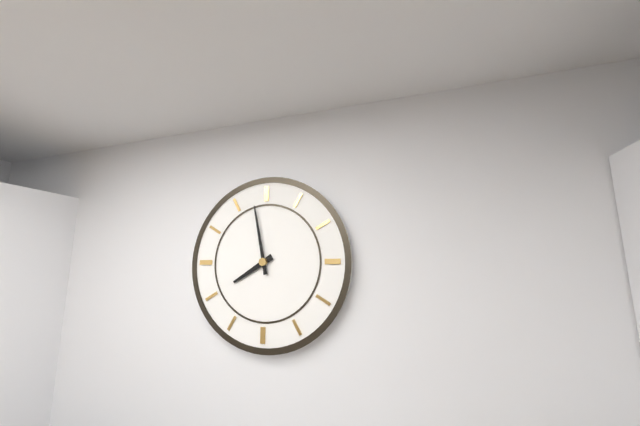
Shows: 7:58
